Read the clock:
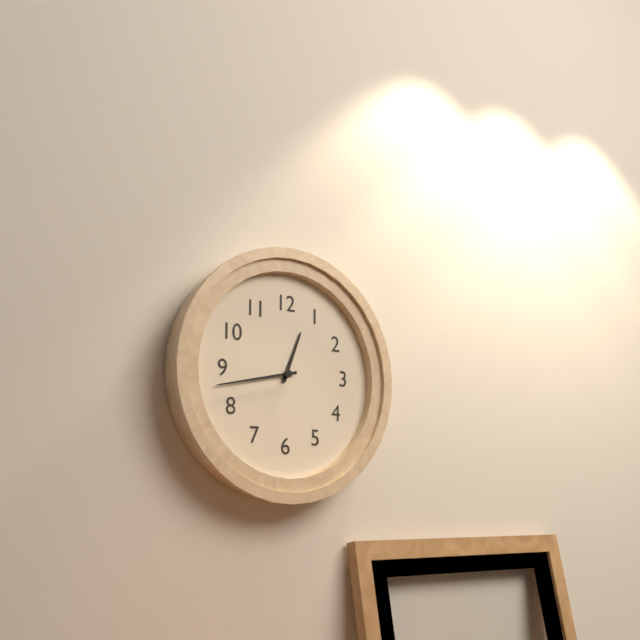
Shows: 12:43
